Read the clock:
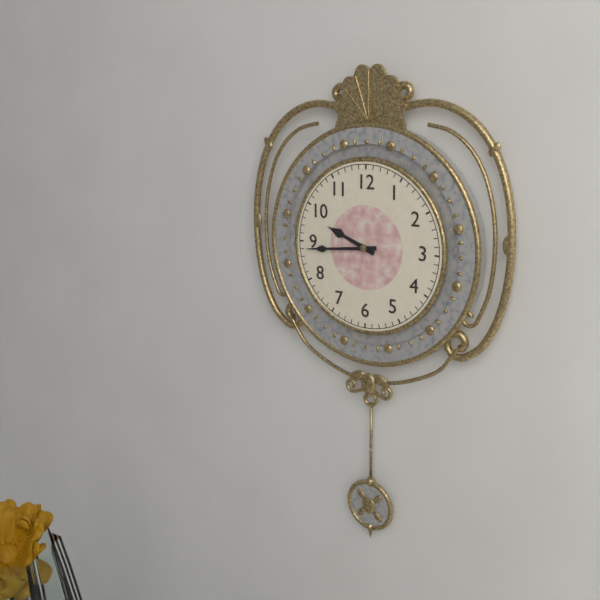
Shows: 9:44
